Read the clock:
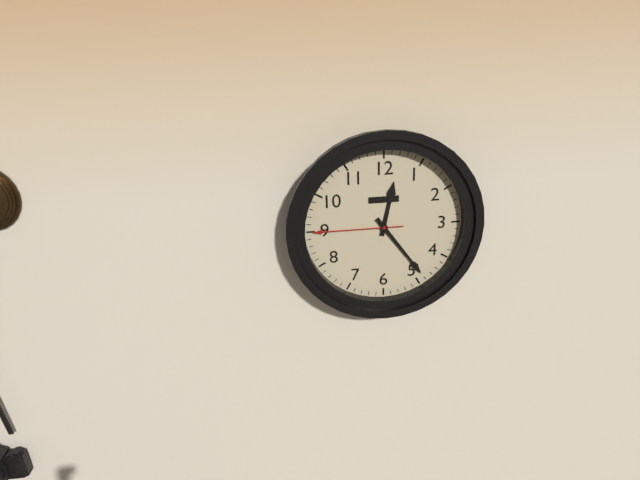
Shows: 12:24:45
